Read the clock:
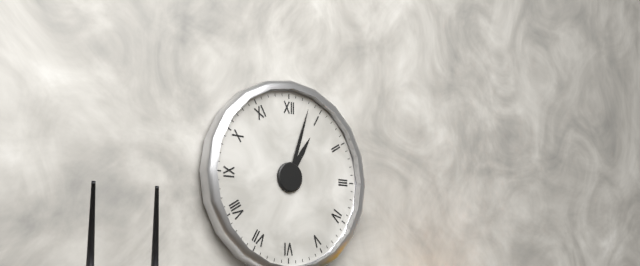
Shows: 1:03
